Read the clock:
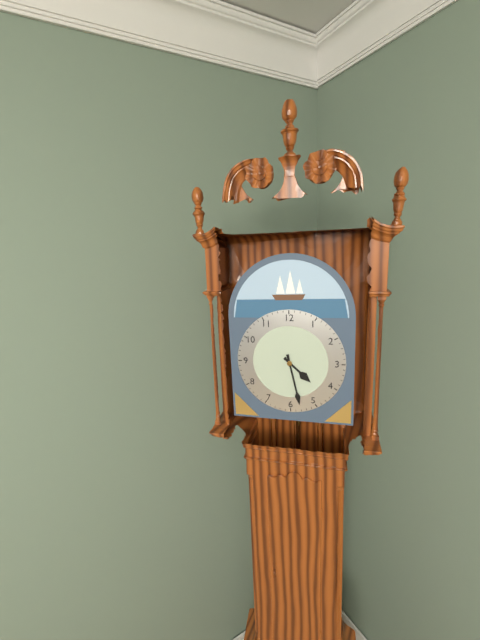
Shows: 4:28
